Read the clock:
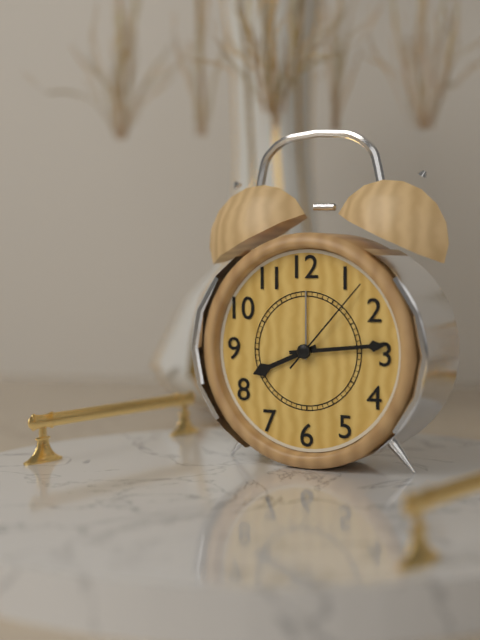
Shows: 8:14:07
